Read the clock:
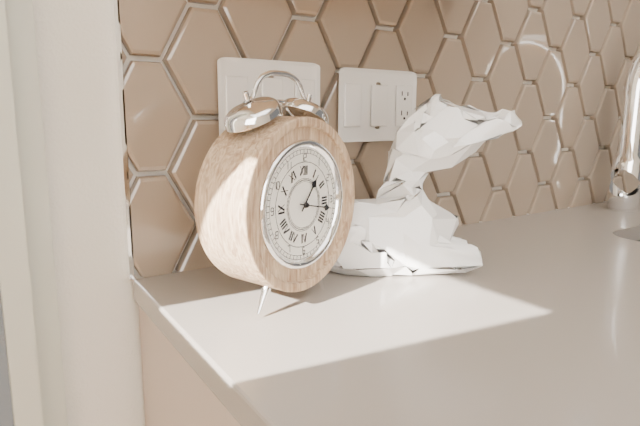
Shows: 1:17
